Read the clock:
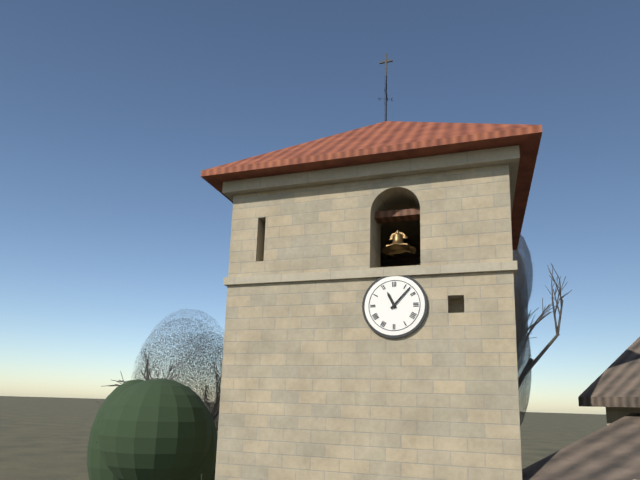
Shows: 11:07
